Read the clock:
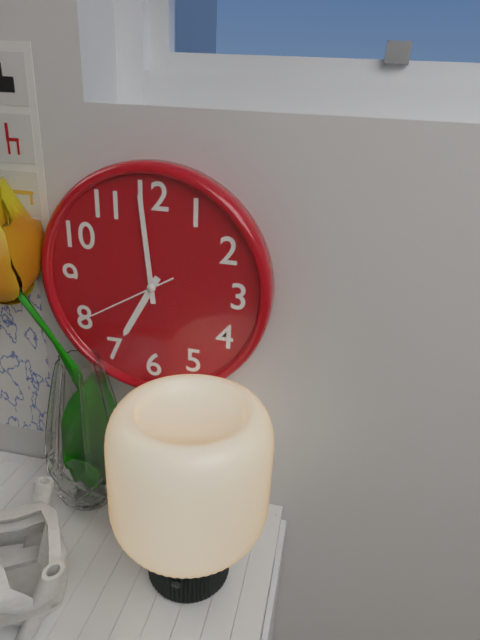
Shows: 6:59:40
